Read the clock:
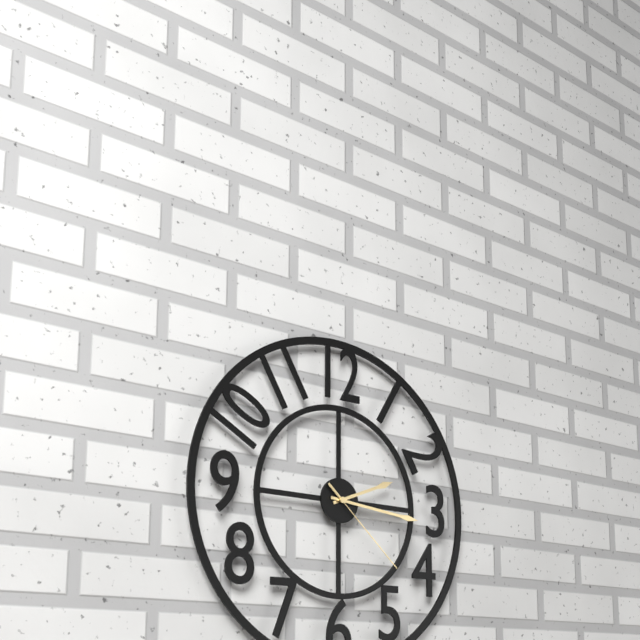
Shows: 2:16:22
